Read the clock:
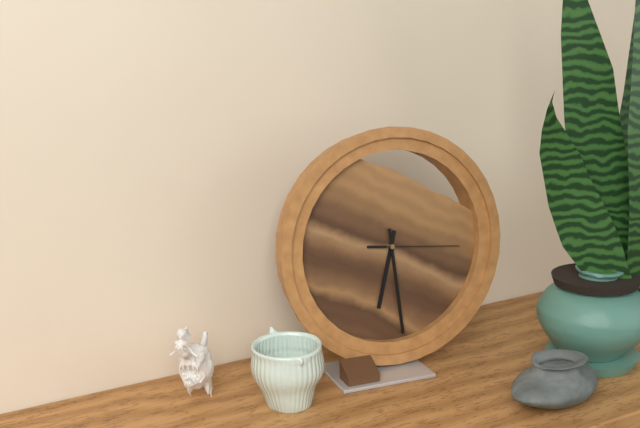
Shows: 6:29:16
